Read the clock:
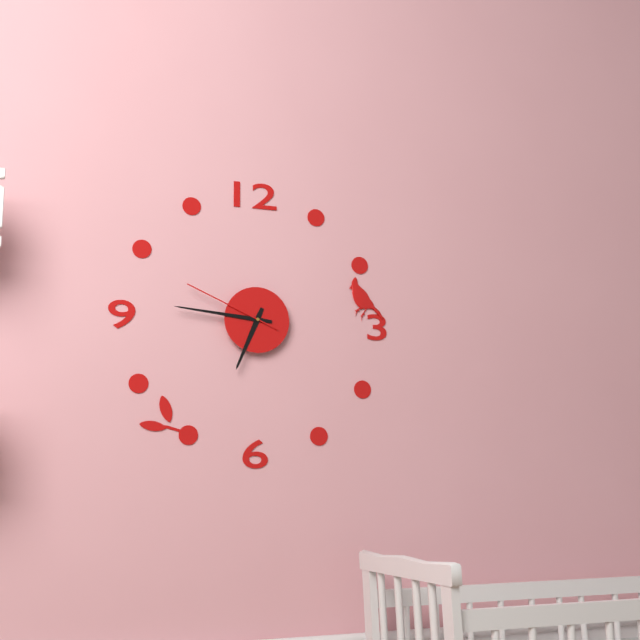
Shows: 6:46:49
